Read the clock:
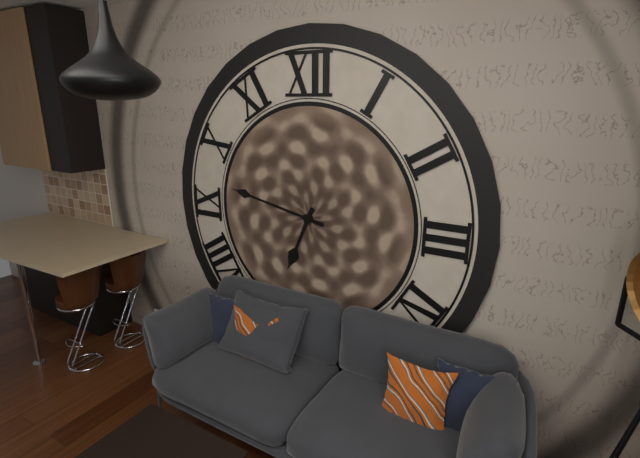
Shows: 6:47
